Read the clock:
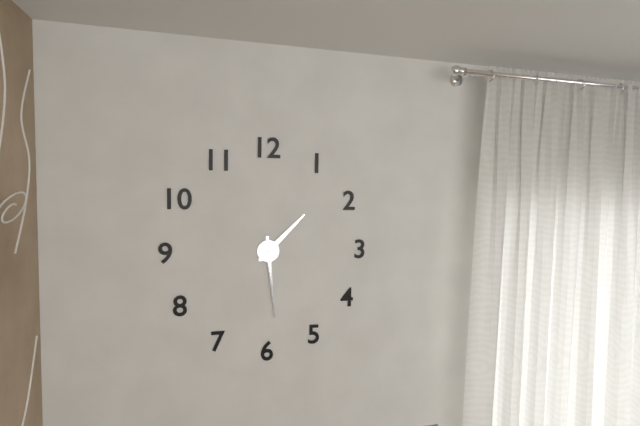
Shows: 1:29
